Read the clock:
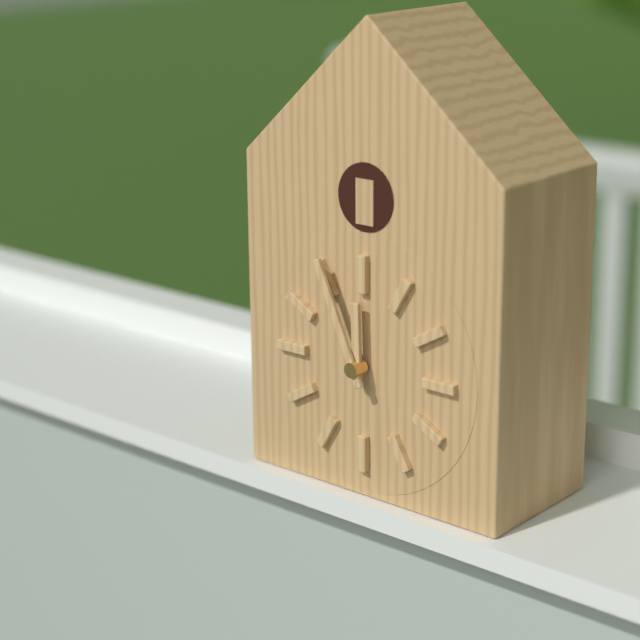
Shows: 11:56
